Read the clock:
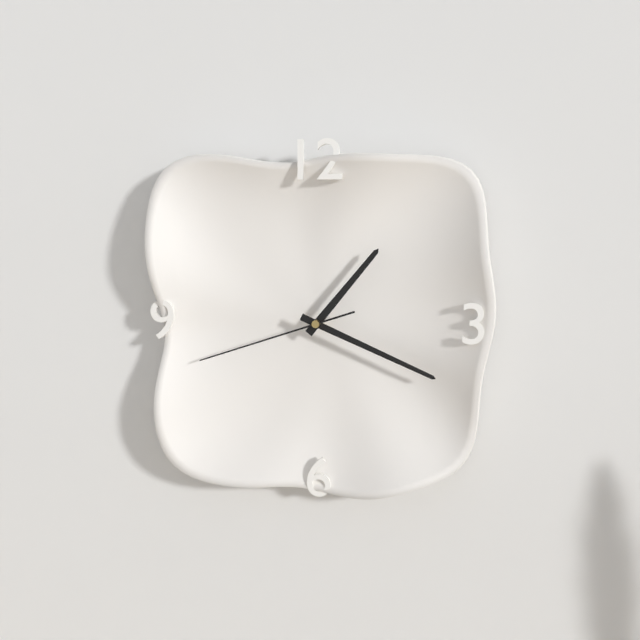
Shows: 1:19:42
